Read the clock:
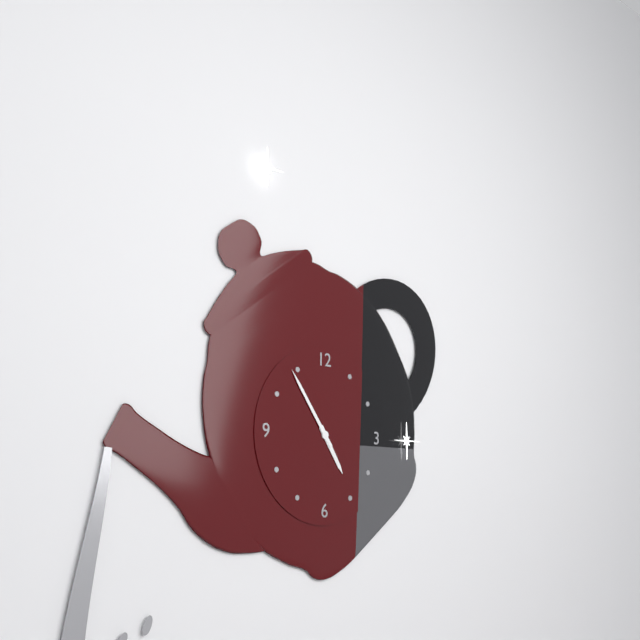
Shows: 4:54
